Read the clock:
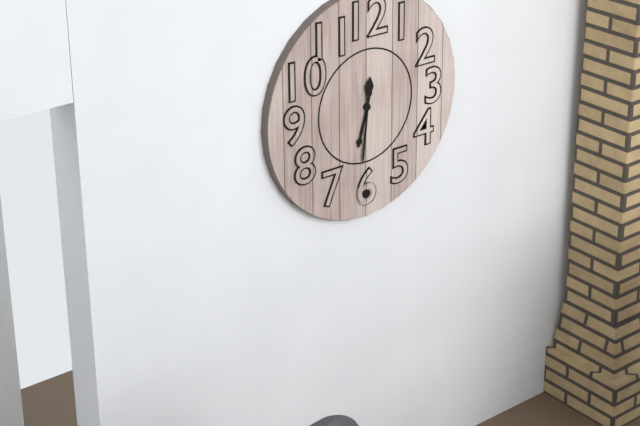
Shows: 6:31
